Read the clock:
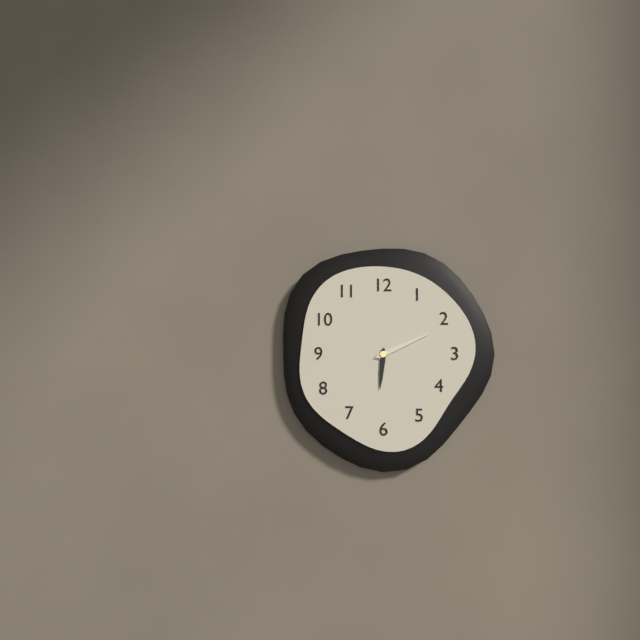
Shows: 6:11
